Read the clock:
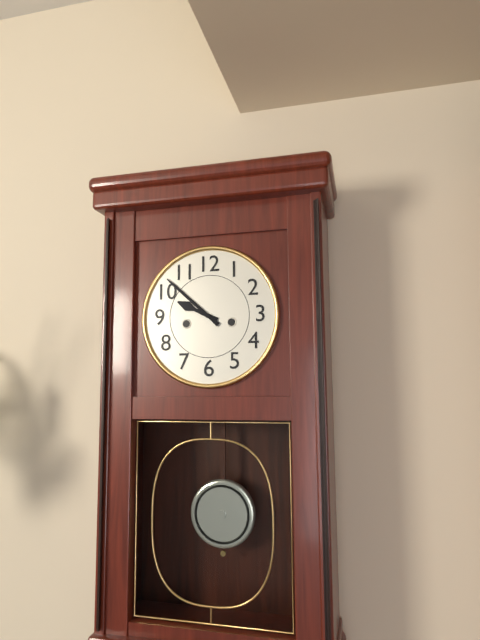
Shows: 9:52
